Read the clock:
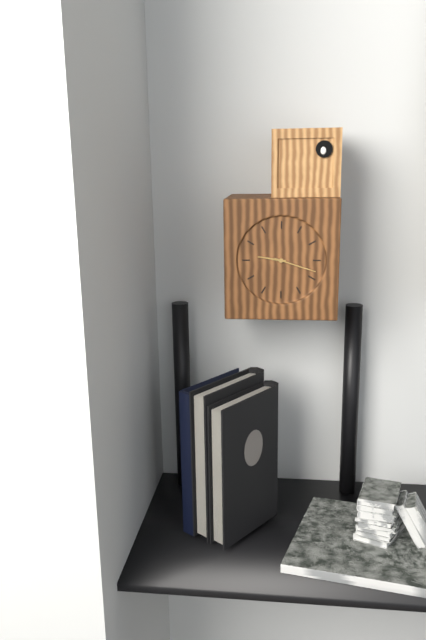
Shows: 9:18
